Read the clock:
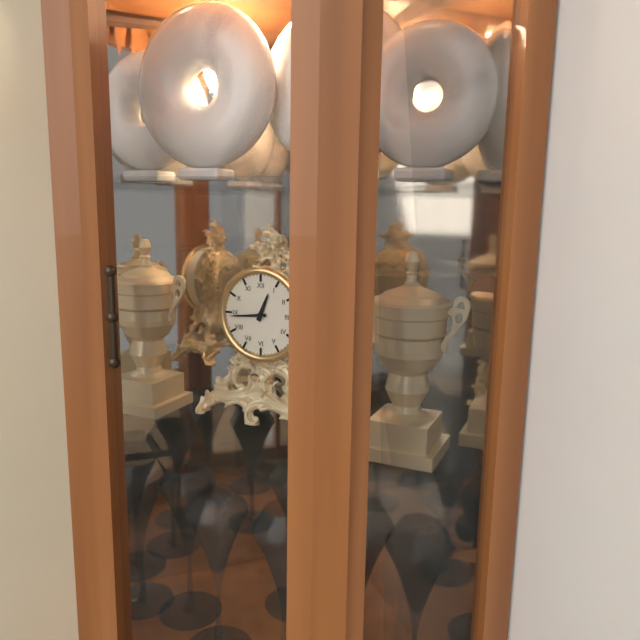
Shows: 12:44
